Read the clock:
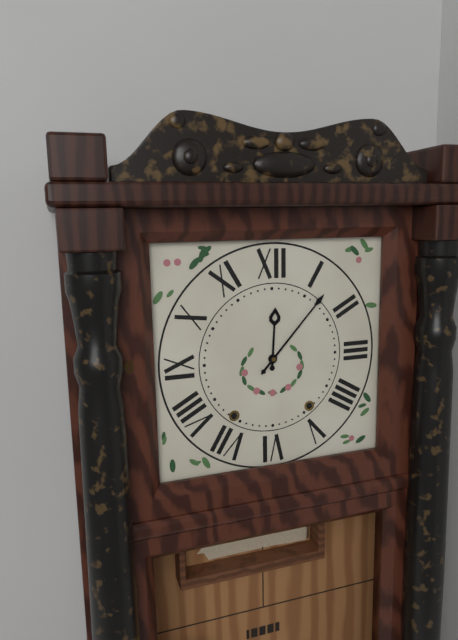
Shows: 12:07
